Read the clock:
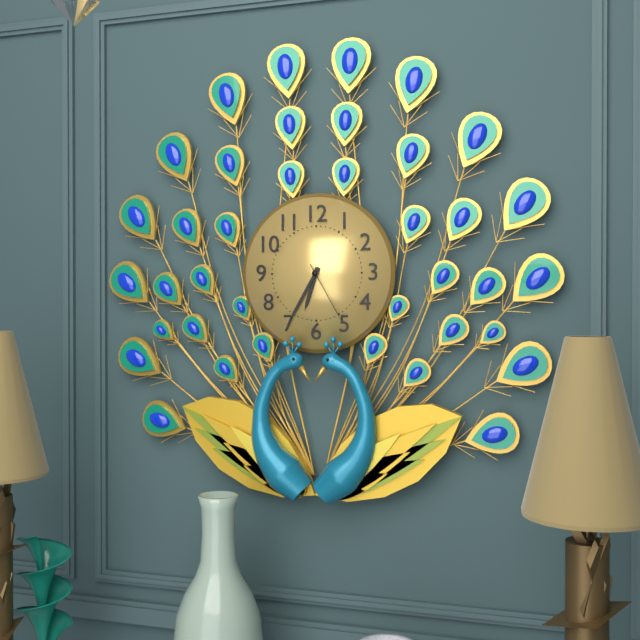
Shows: 6:35:25
